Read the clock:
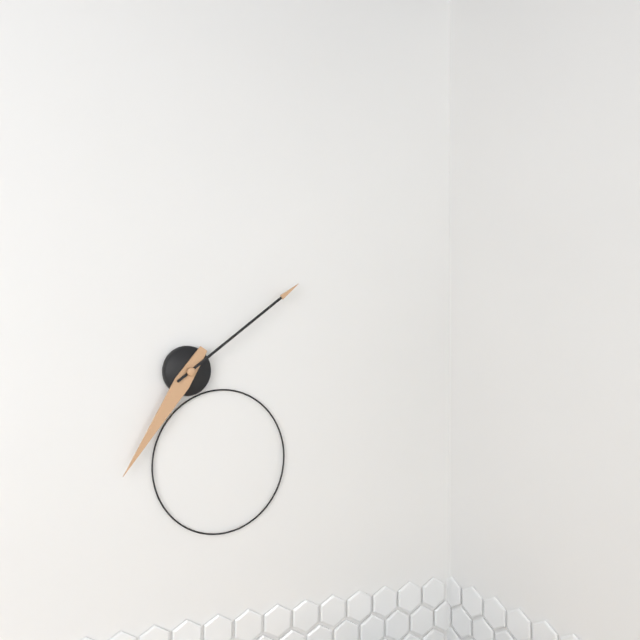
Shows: 7:09
